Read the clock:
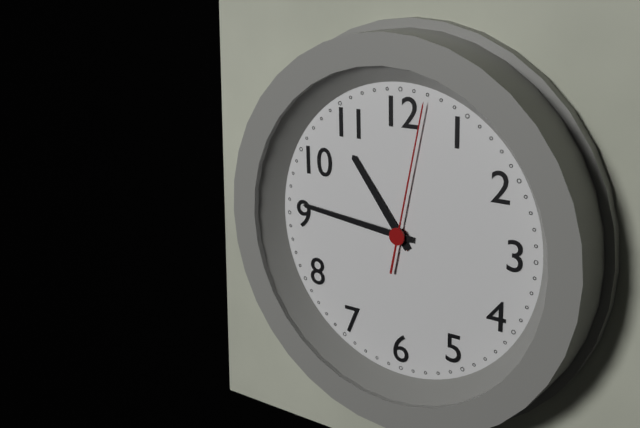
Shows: 10:46:02
